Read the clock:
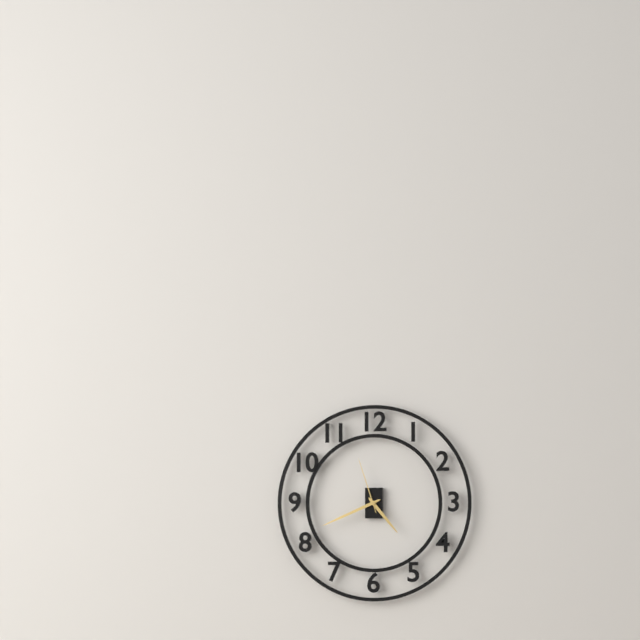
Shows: 4:41:57
